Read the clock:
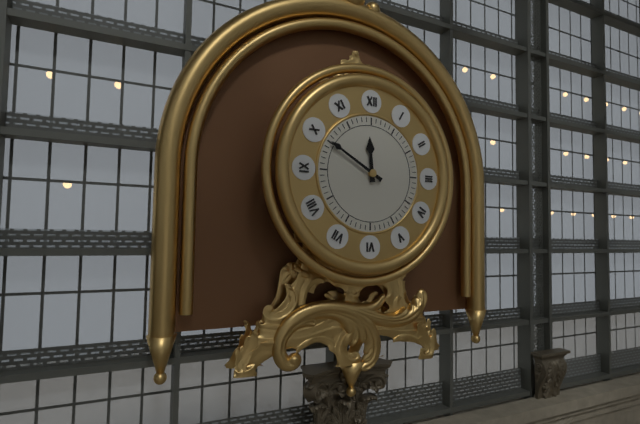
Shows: 11:50
